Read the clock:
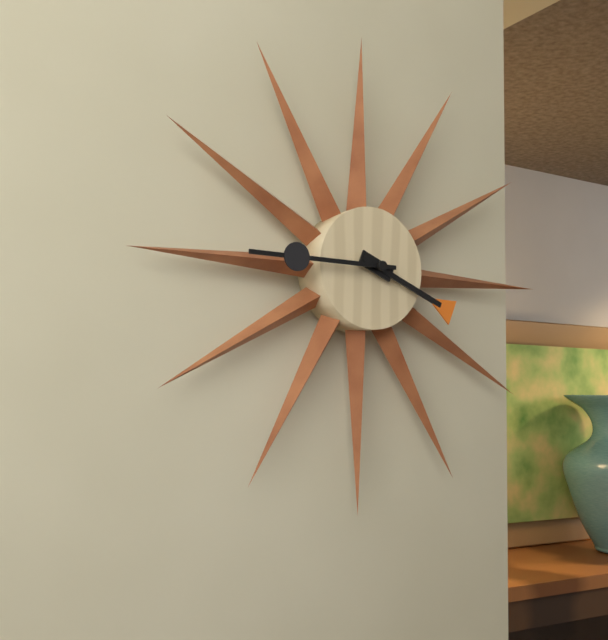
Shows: 3:45
